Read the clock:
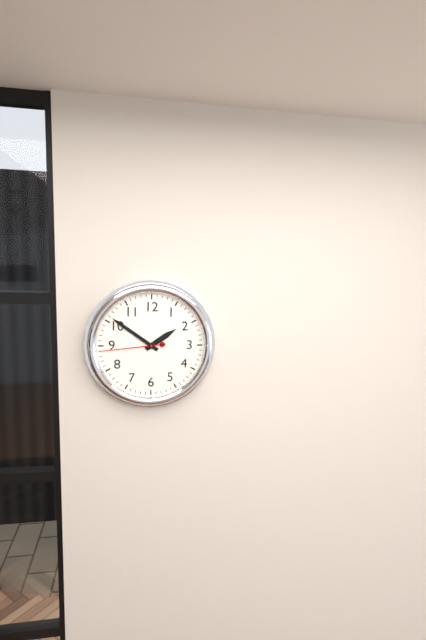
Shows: 1:51:44
